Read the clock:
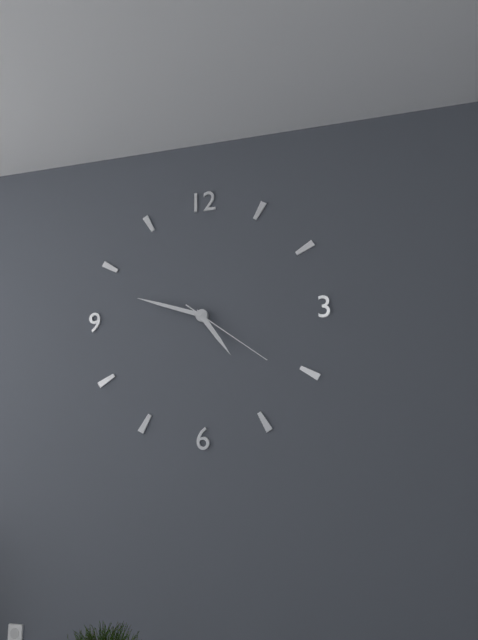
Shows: 4:48:21
